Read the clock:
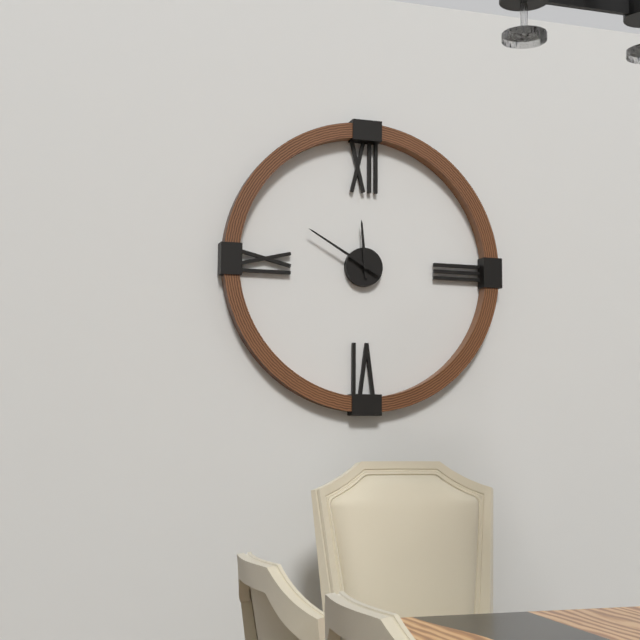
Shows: 11:50
